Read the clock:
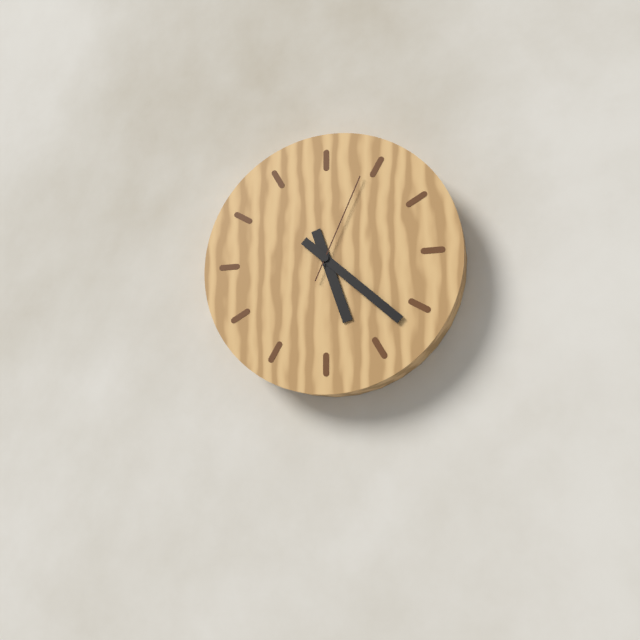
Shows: 5:22:04
